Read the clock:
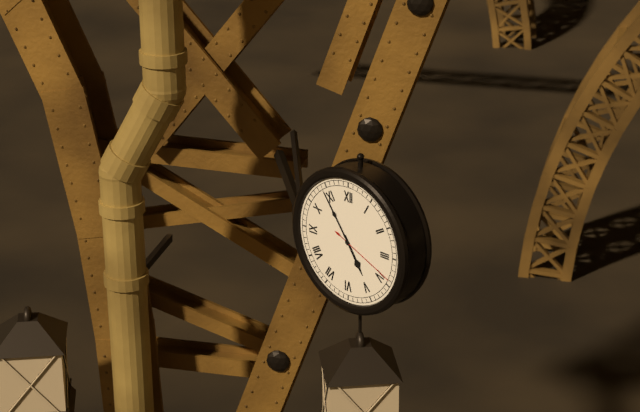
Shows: 4:54:19
